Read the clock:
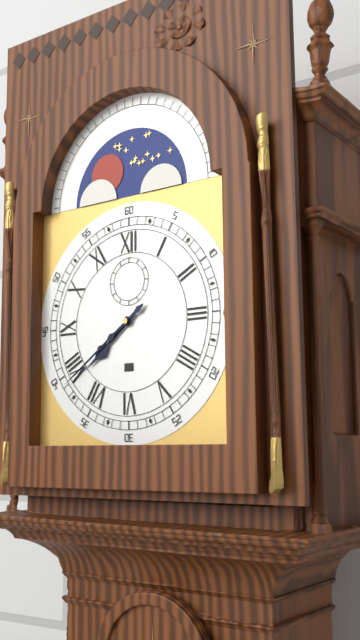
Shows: 7:39
